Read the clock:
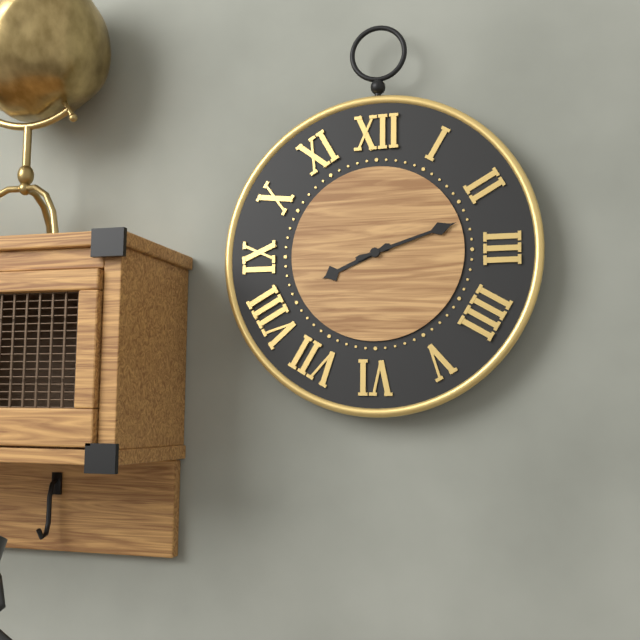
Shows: 8:12
